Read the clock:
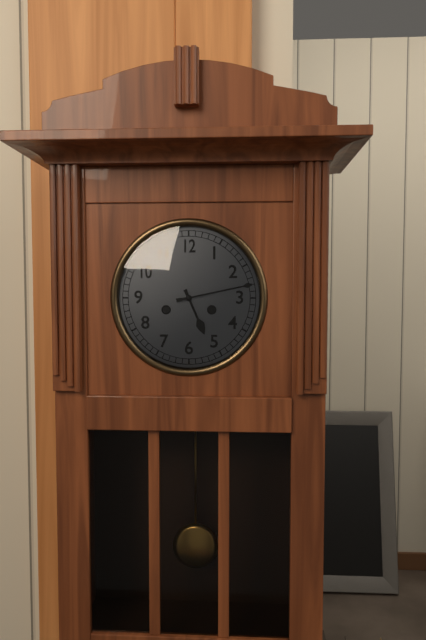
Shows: 5:13
